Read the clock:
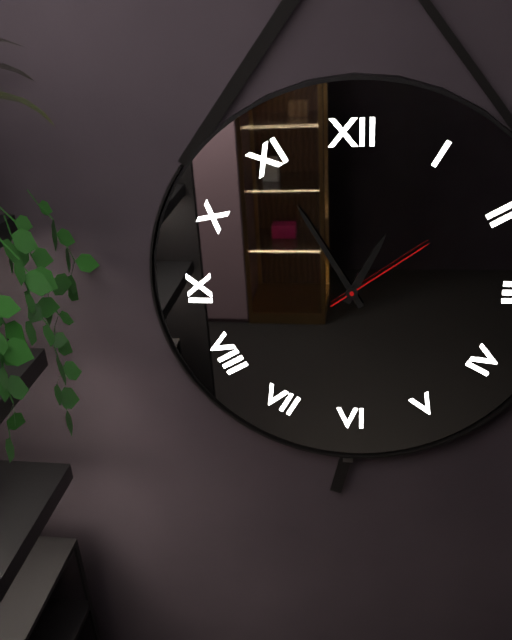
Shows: 12:55:09
